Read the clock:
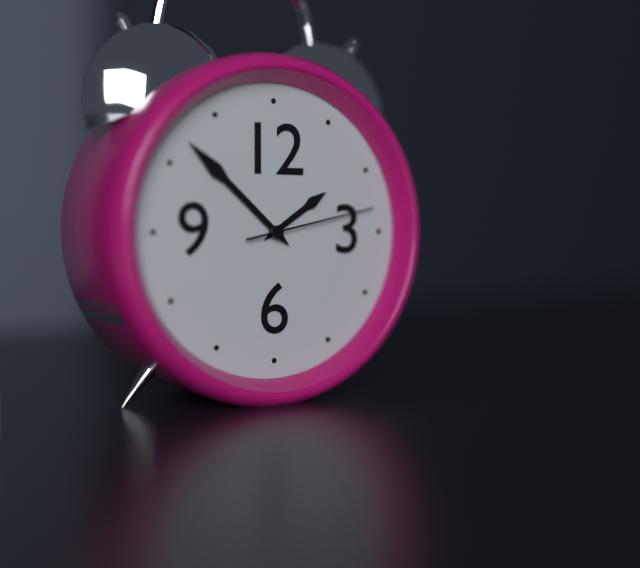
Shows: 1:52:13
